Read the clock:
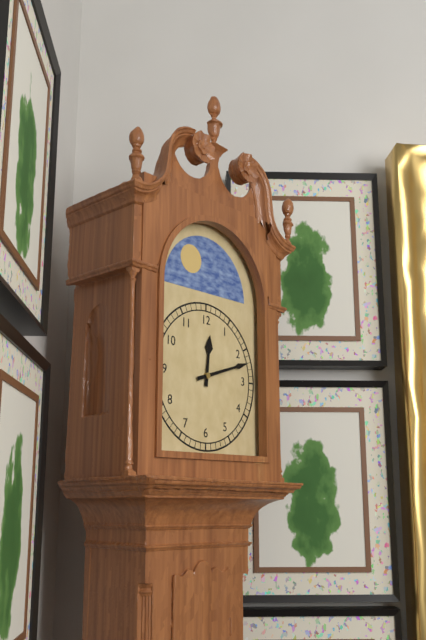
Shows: 12:12
